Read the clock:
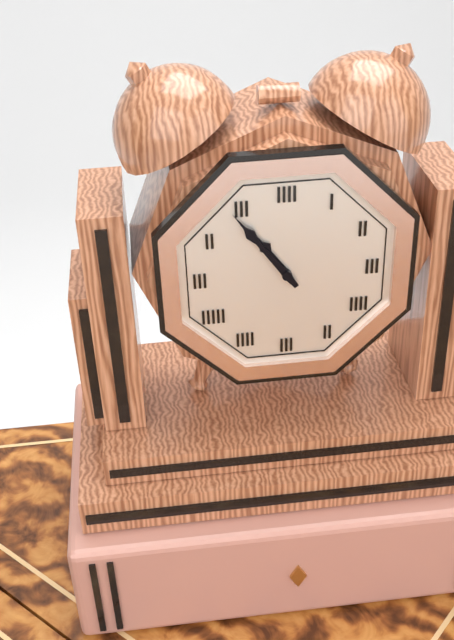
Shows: 10:54
